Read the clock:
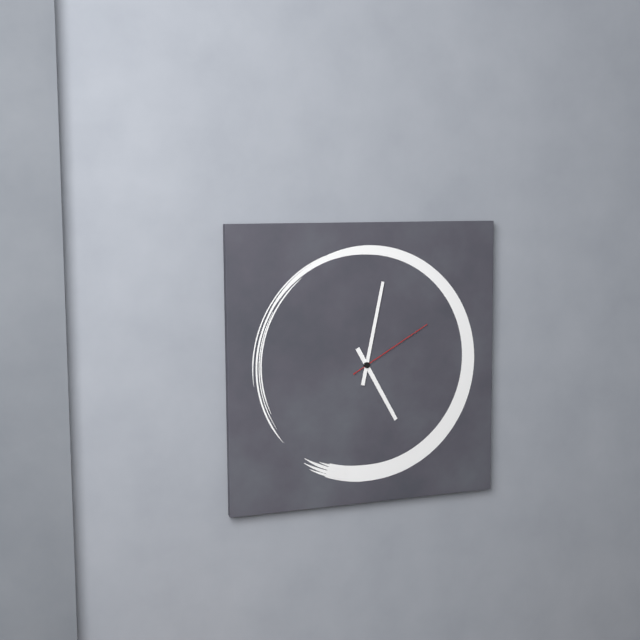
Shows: 5:02:10
